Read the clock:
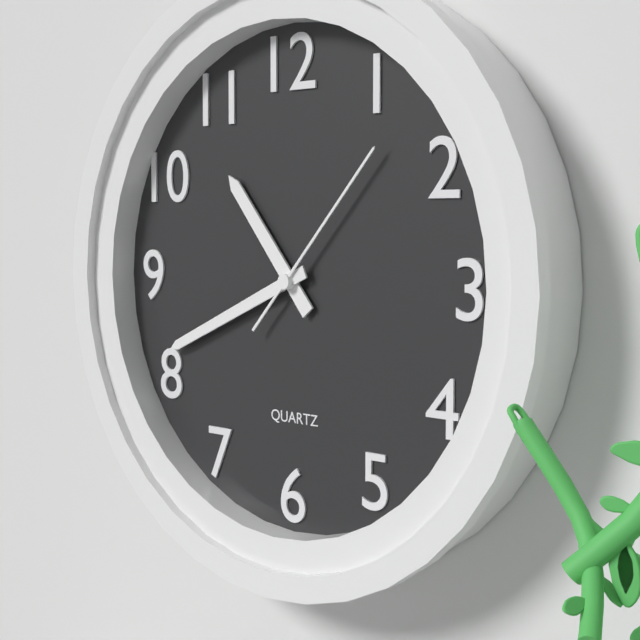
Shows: 10:41:07
